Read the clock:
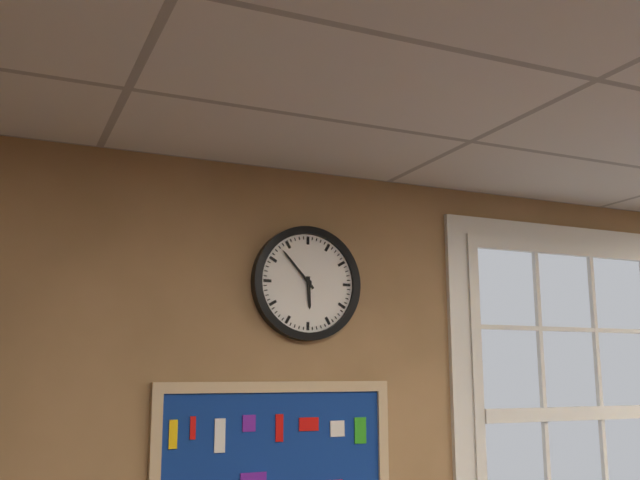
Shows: 5:53
